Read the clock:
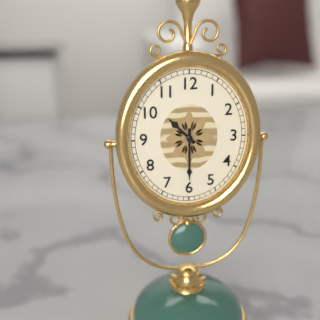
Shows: 10:30
